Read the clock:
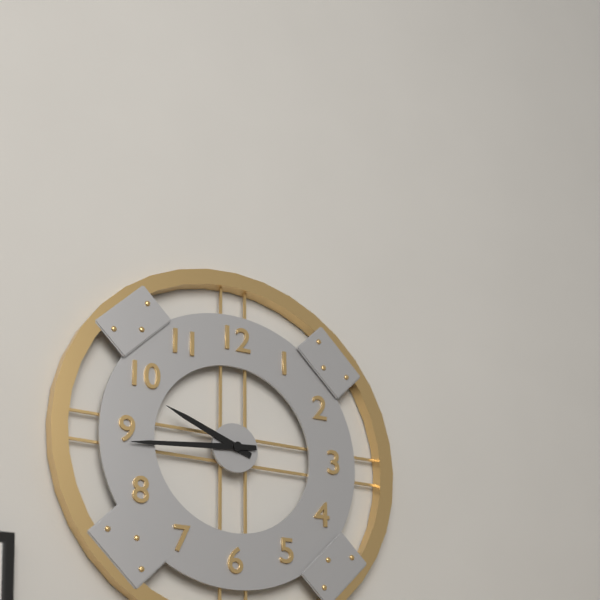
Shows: 9:44
